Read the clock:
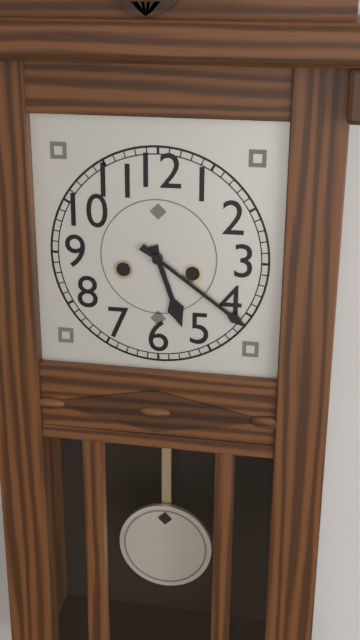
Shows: 5:21
